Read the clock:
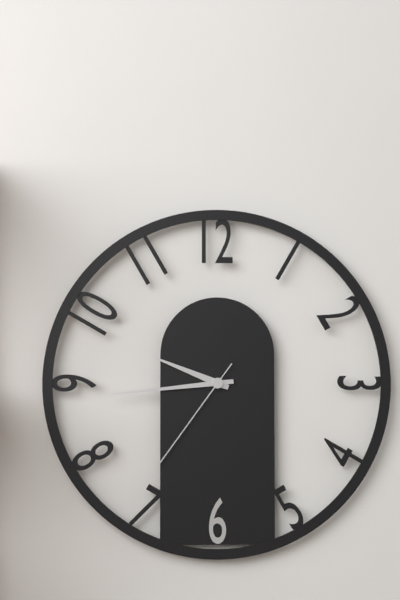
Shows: 9:44:36
